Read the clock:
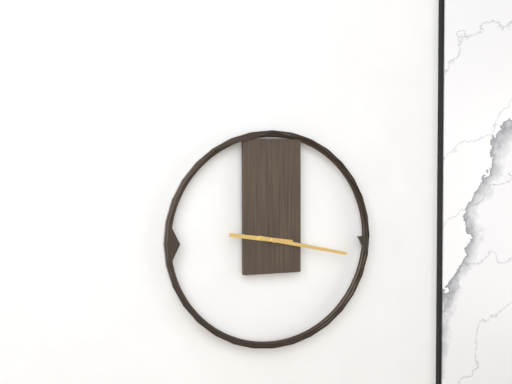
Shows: 9:17
